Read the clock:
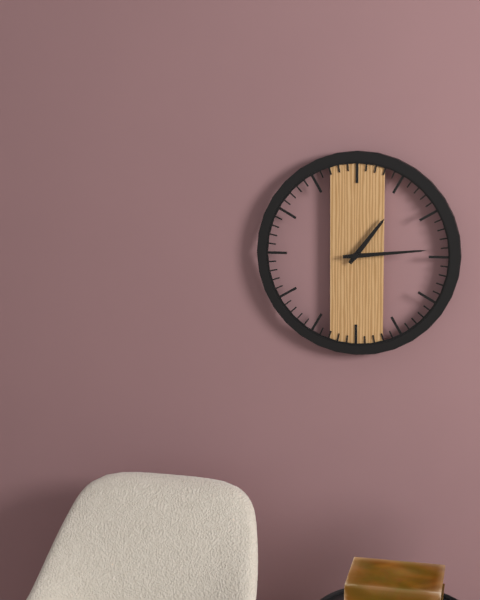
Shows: 1:14
